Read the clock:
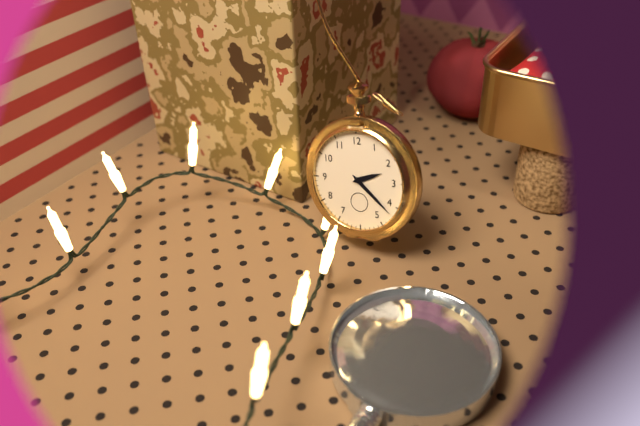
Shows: 2:22
